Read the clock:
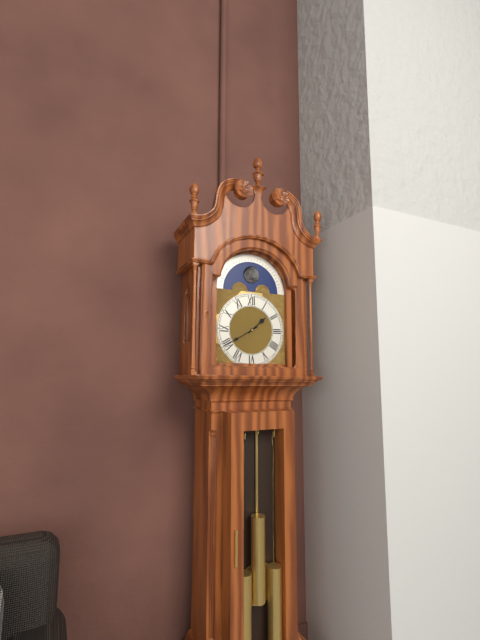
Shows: 1:40
